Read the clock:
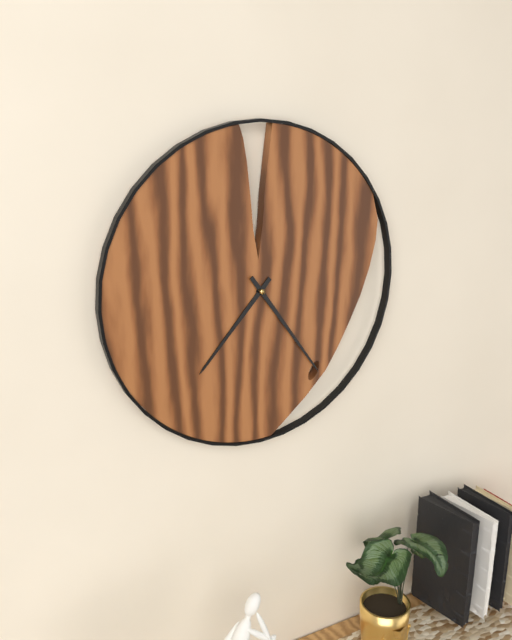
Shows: 7:24
